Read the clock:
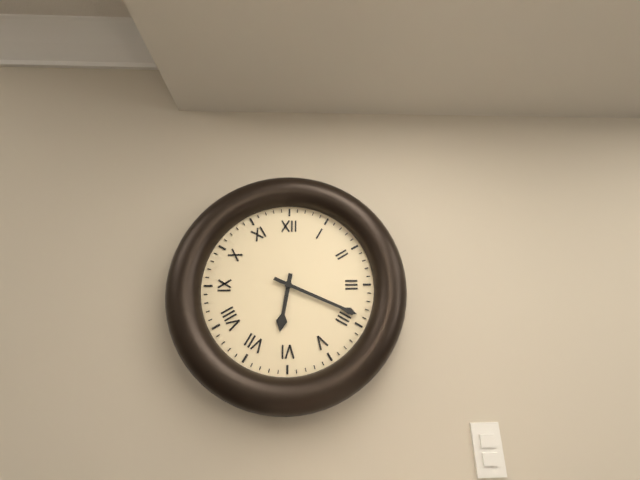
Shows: 6:19
